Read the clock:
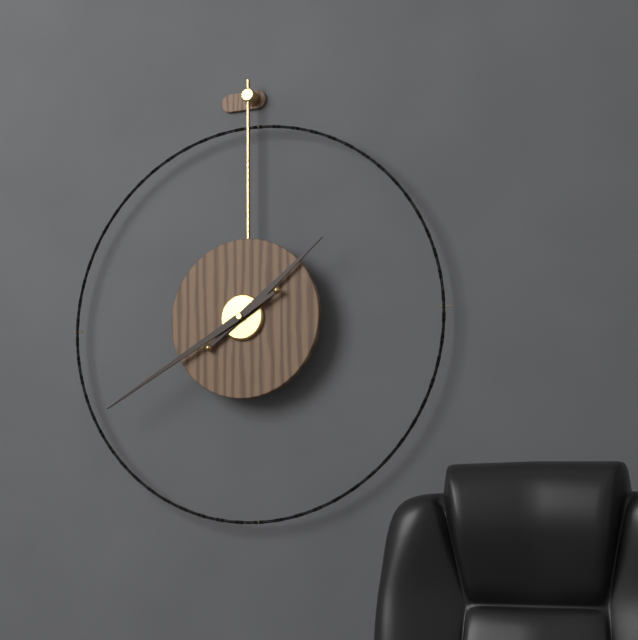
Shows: 1:40
